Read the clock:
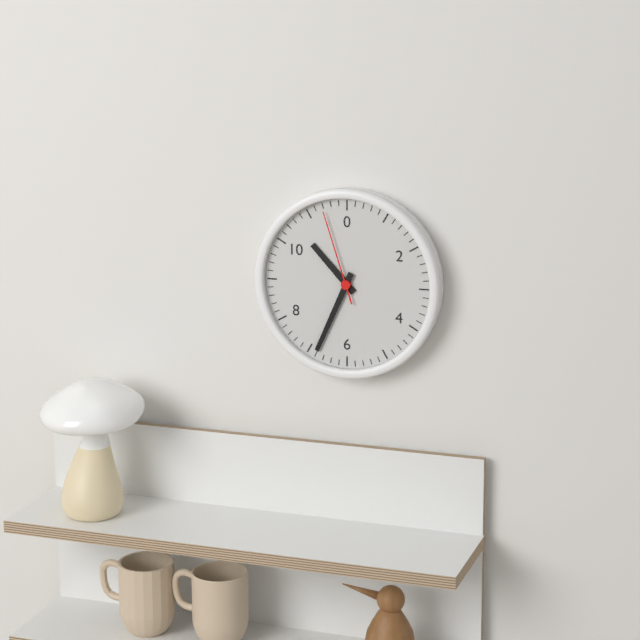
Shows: 10:34:57
